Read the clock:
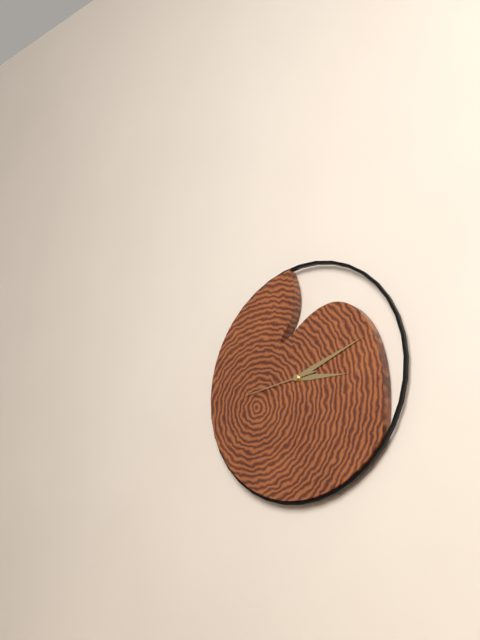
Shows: 3:12:44
